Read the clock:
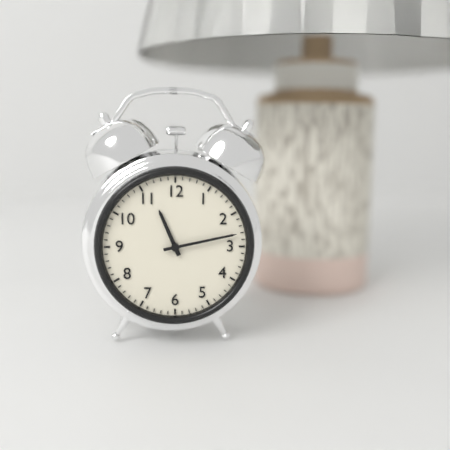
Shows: 11:13
